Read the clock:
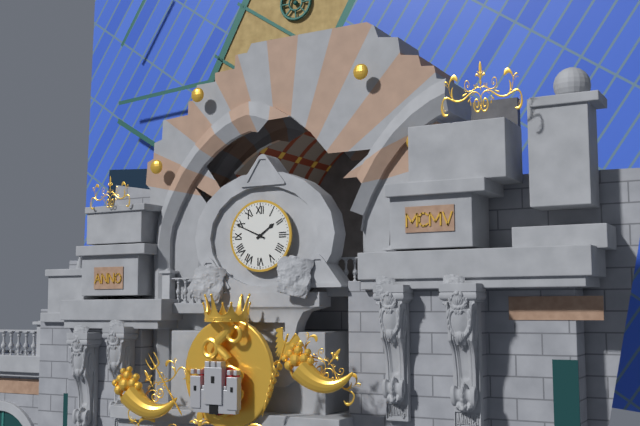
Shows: 1:49
